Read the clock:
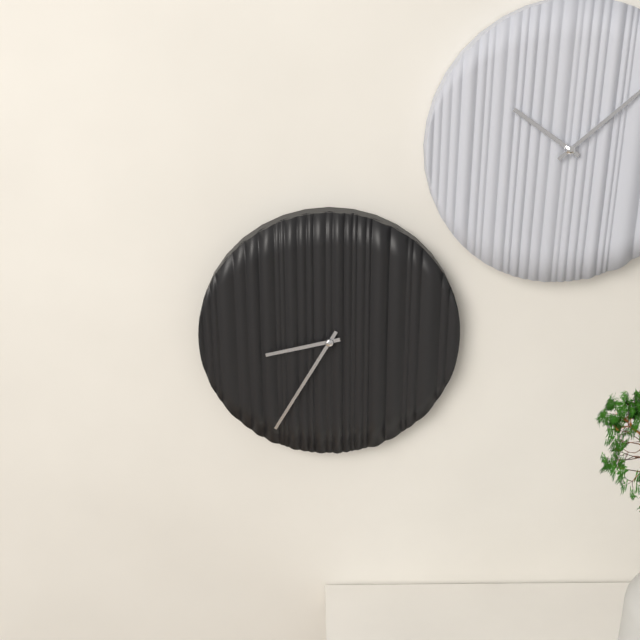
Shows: 8:35
